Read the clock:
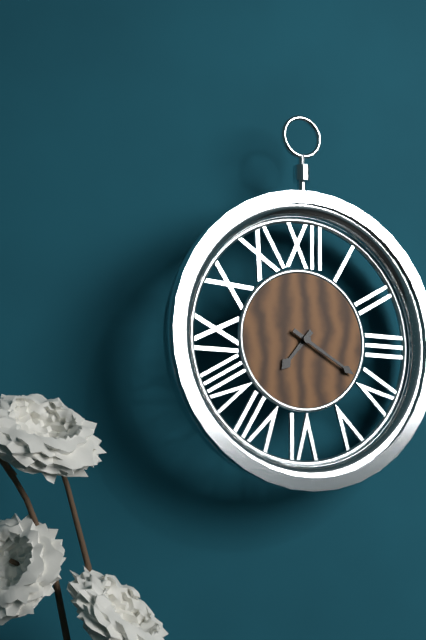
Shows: 7:20
